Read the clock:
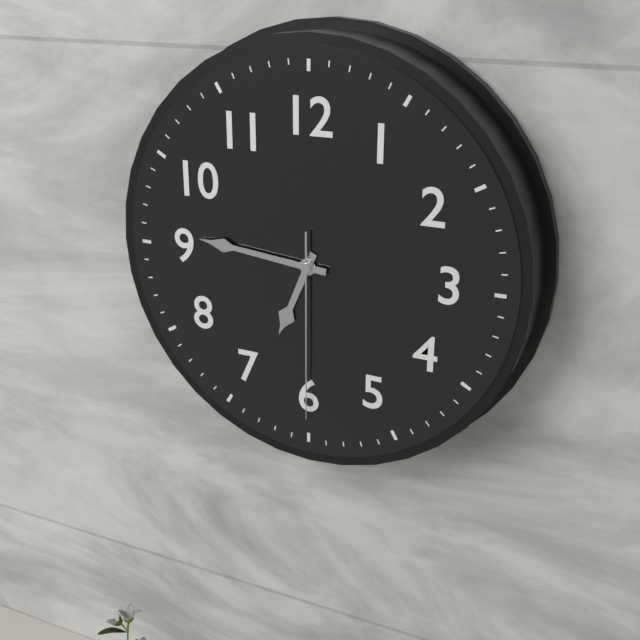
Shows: 6:46:30
